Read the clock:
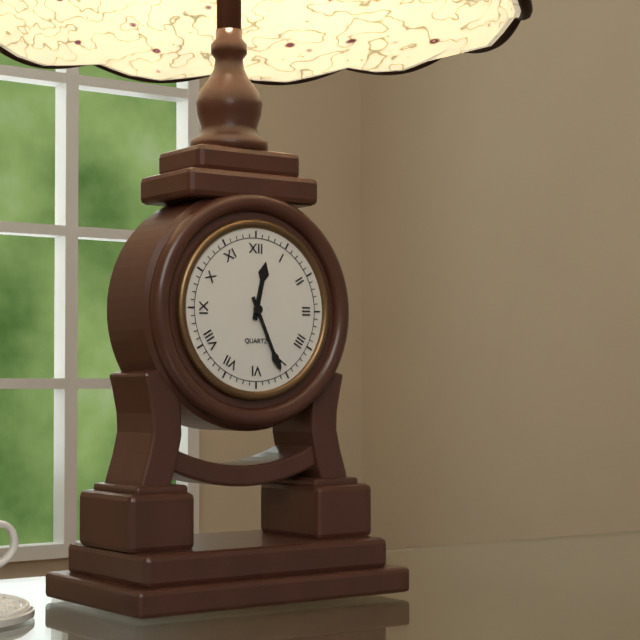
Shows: 12:26
